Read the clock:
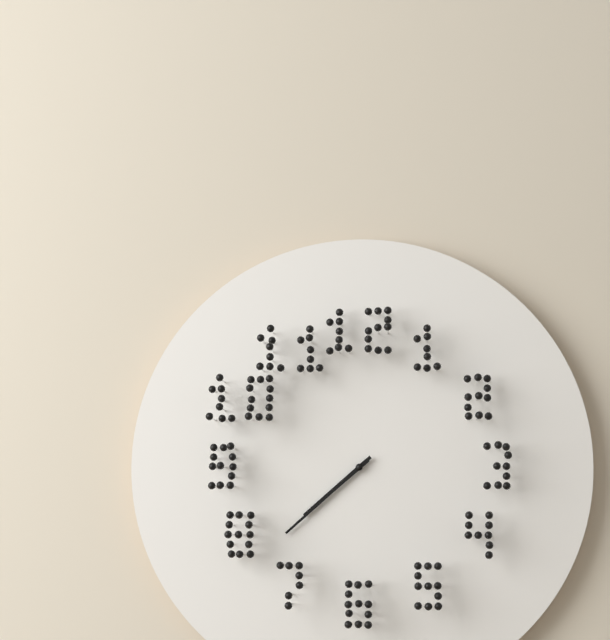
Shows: 7:38
